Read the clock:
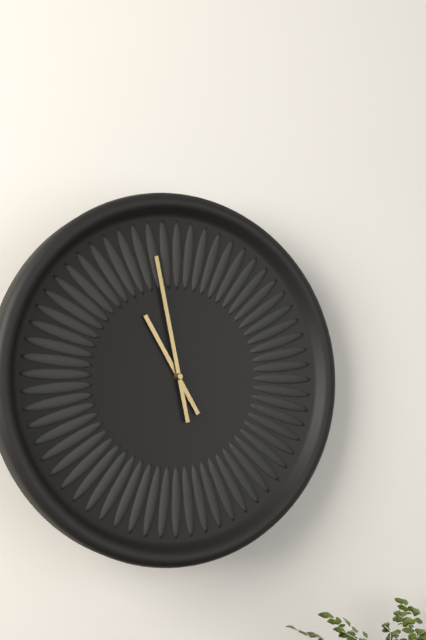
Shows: 10:58
